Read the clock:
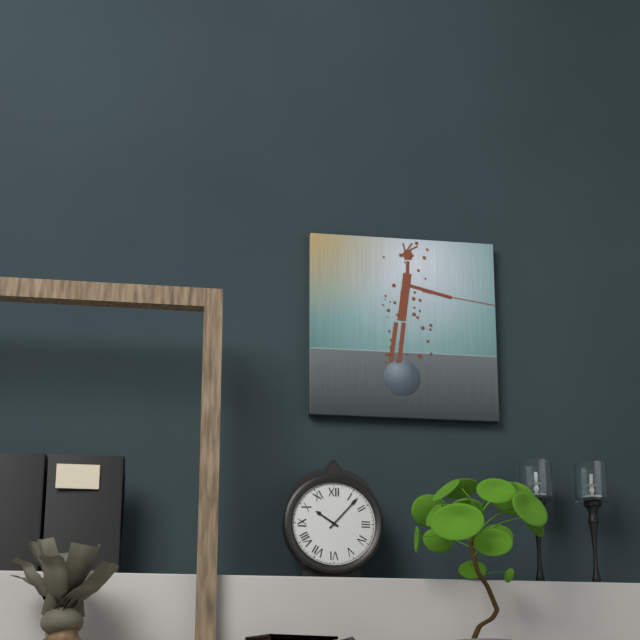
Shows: 10:07
